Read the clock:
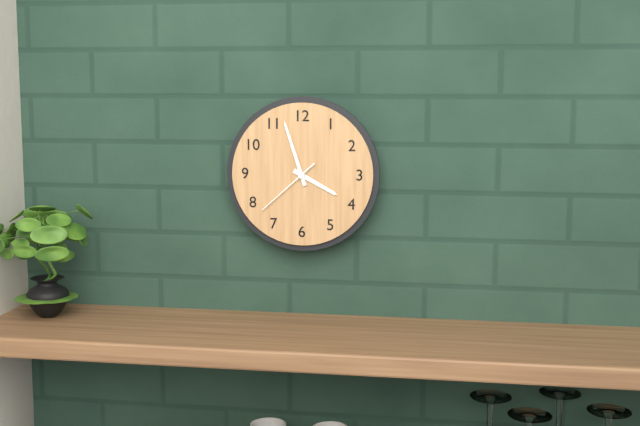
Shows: 3:57:38
